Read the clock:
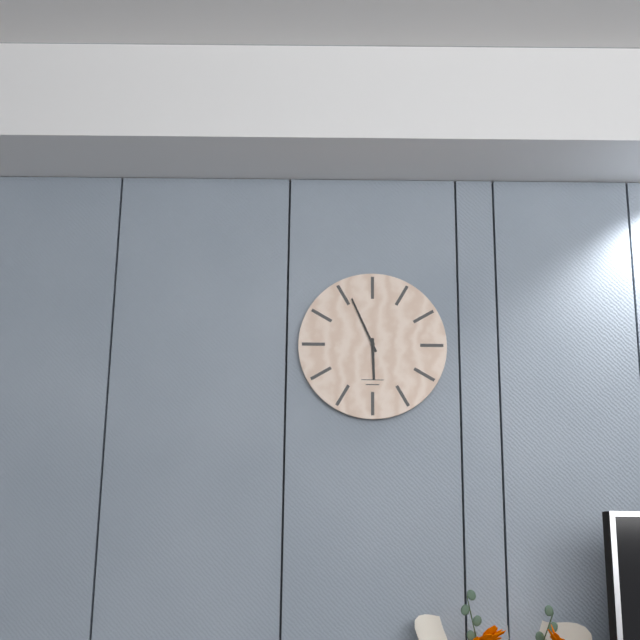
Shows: 5:56
